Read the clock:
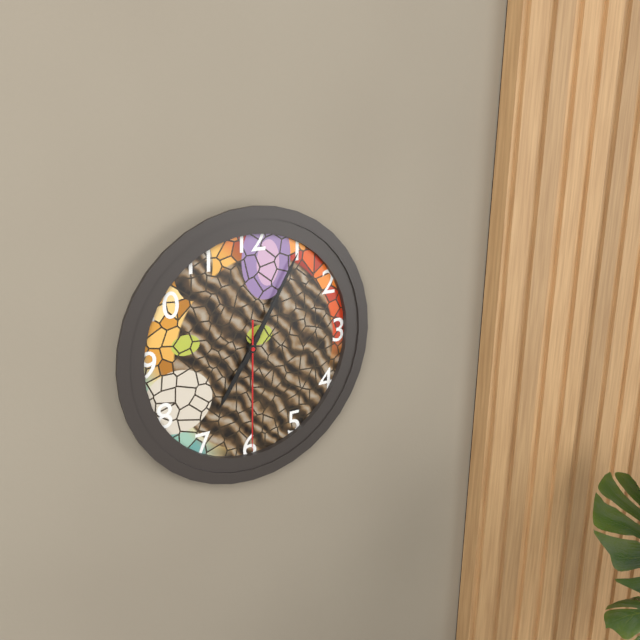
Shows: 7:05:30
